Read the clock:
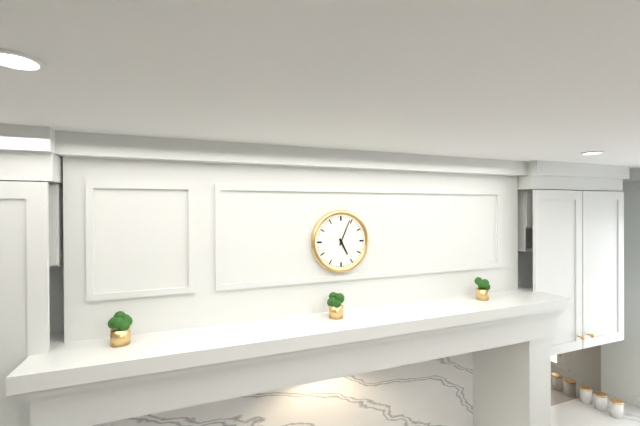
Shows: 5:04
